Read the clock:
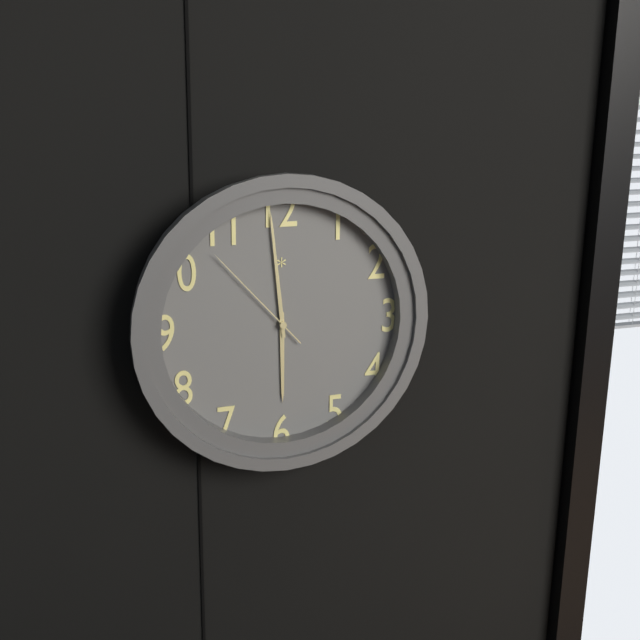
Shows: 5:59:53
